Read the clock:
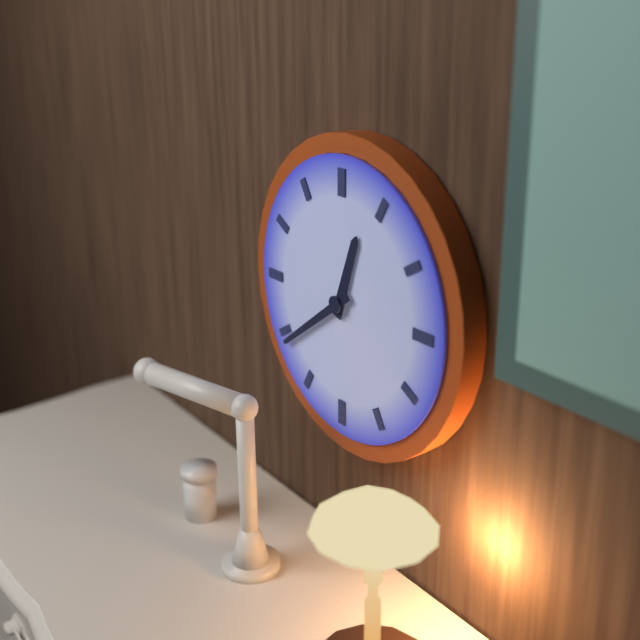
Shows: 12:39
